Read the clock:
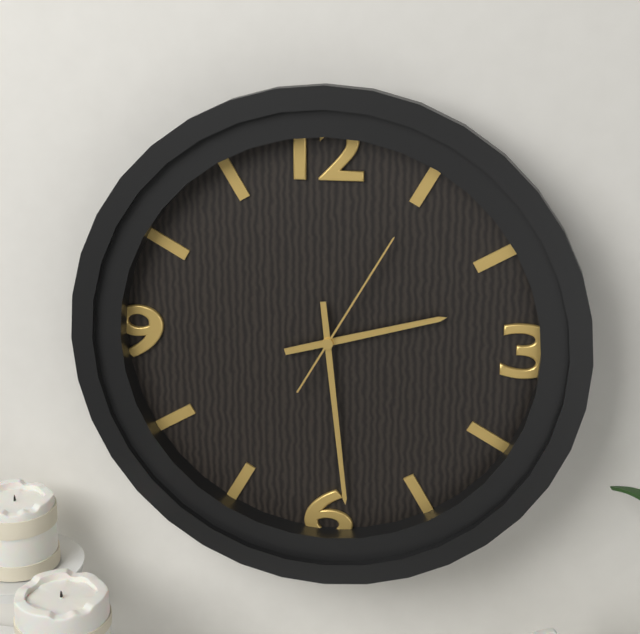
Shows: 2:29:05
